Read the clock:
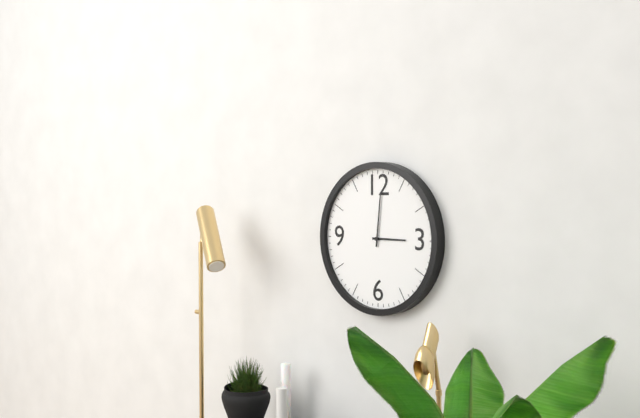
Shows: 3:01
